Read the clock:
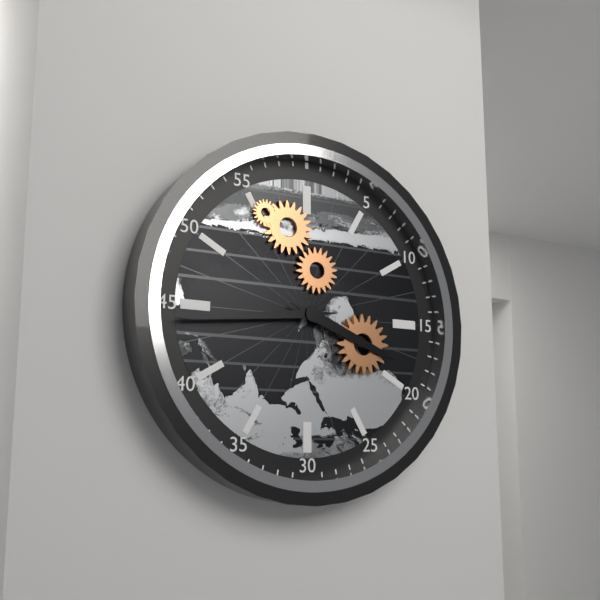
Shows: 3:44
